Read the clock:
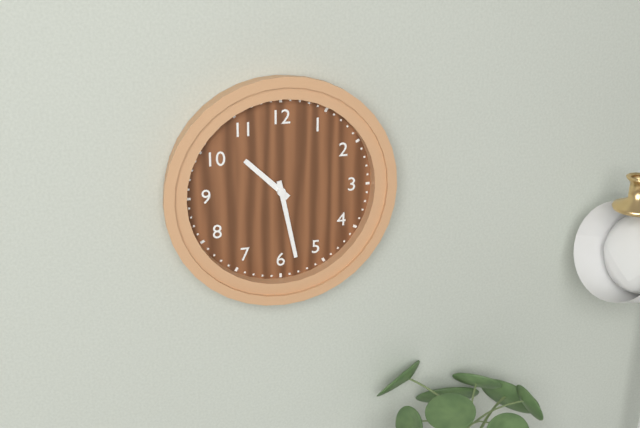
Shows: 10:28
